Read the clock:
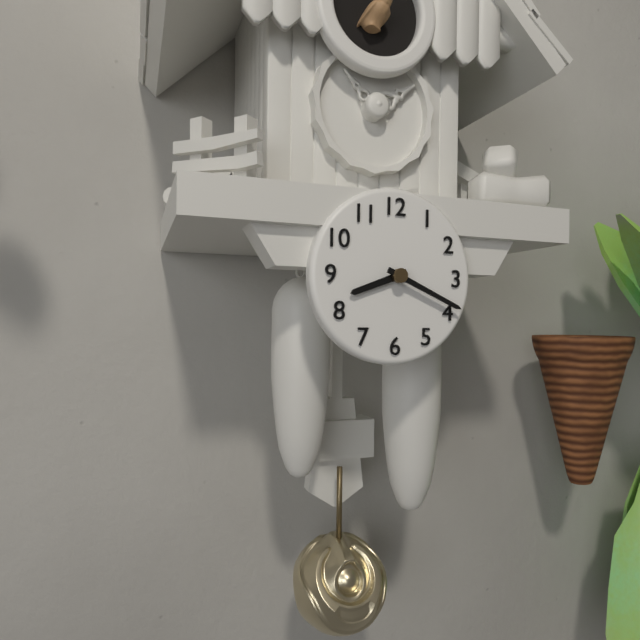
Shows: 8:19
